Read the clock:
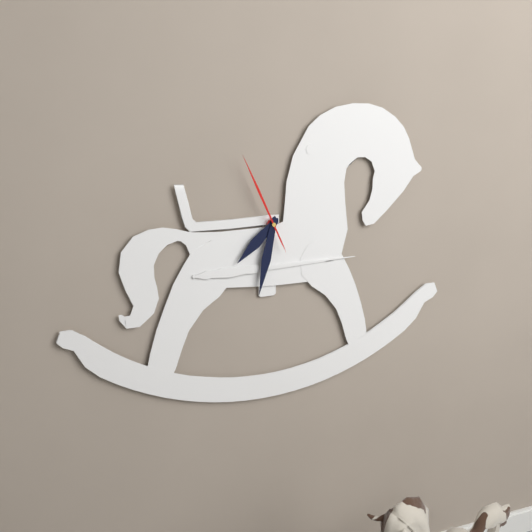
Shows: 7:32:56
